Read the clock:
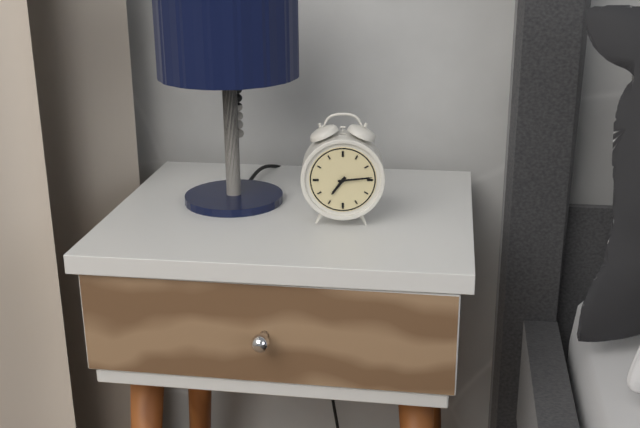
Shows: 7:14
